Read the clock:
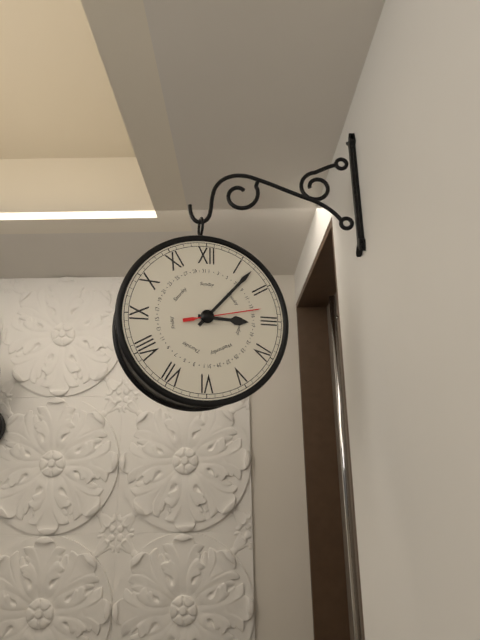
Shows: 3:07:13
